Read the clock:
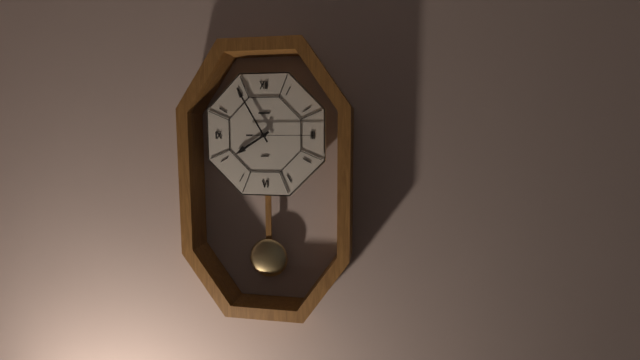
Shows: 7:55:15
